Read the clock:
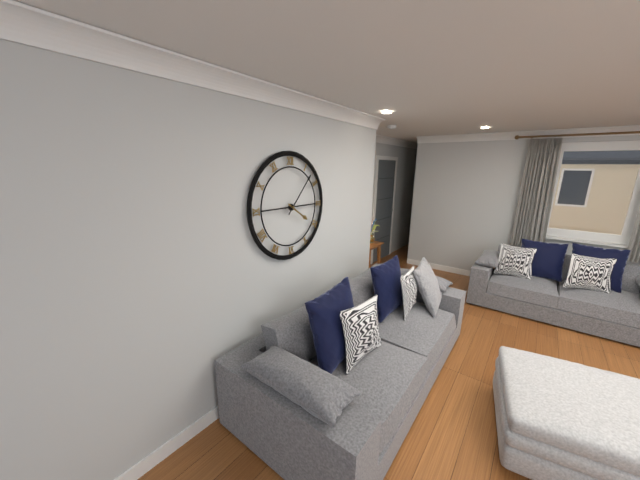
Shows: 4:07
